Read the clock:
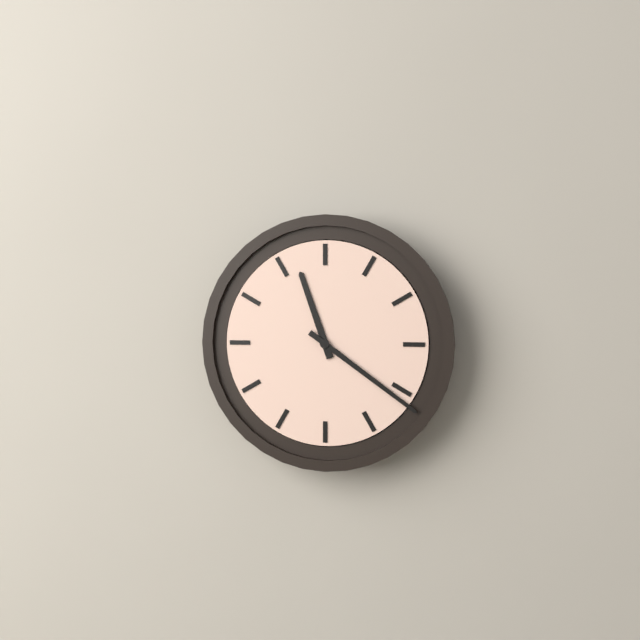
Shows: 11:21
